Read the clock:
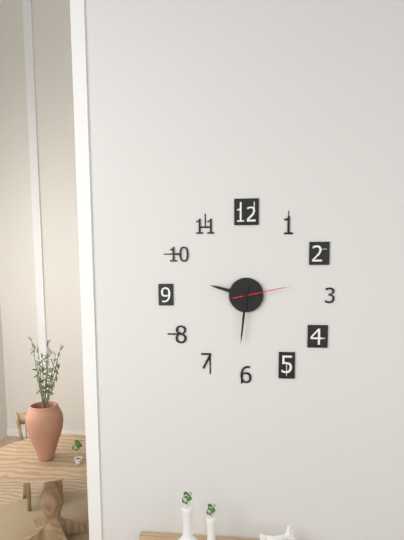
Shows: 9:31:13
